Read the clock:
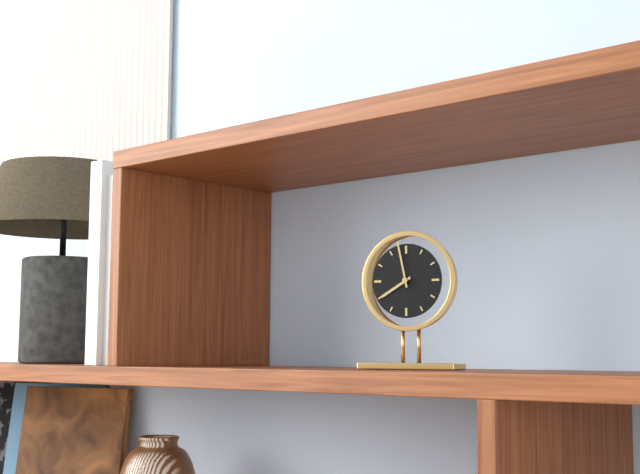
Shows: 7:58
